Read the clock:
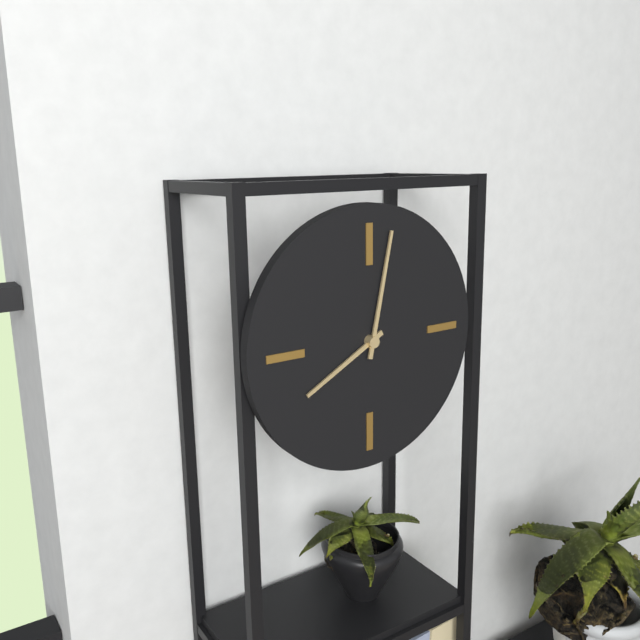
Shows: 8:02
